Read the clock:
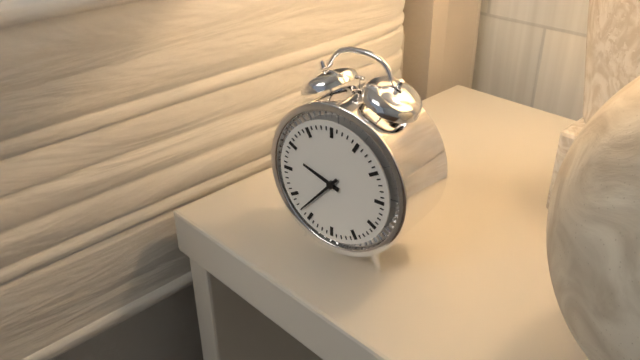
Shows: 9:37
